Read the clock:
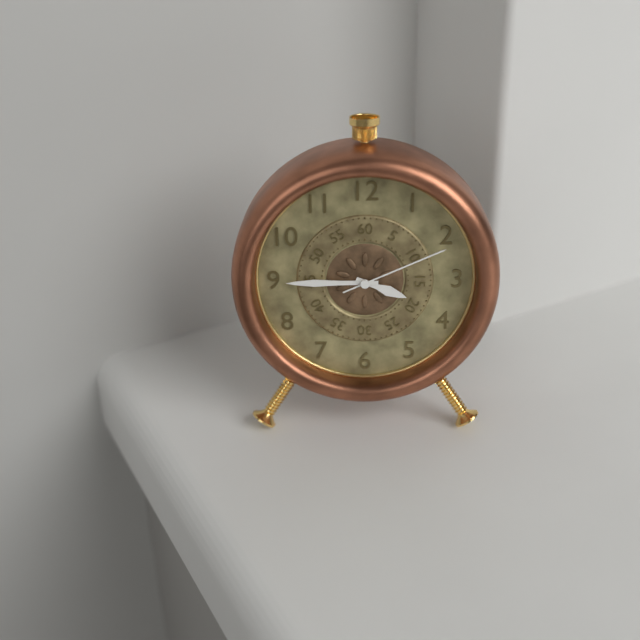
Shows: 3:45:11
